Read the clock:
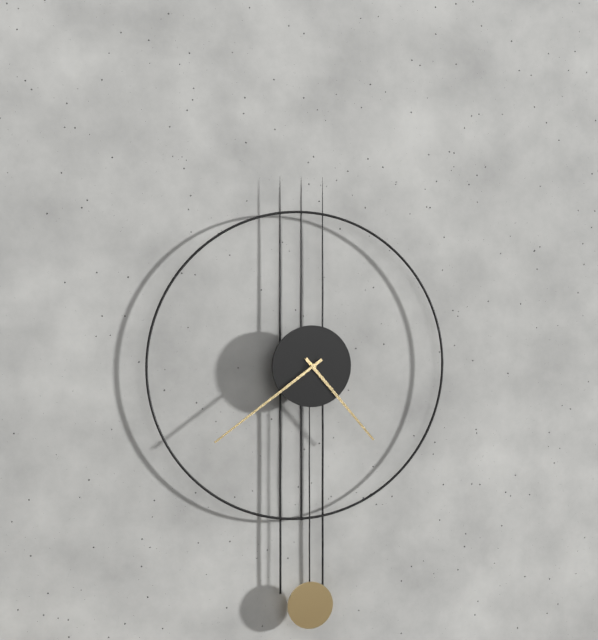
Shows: 4:39
